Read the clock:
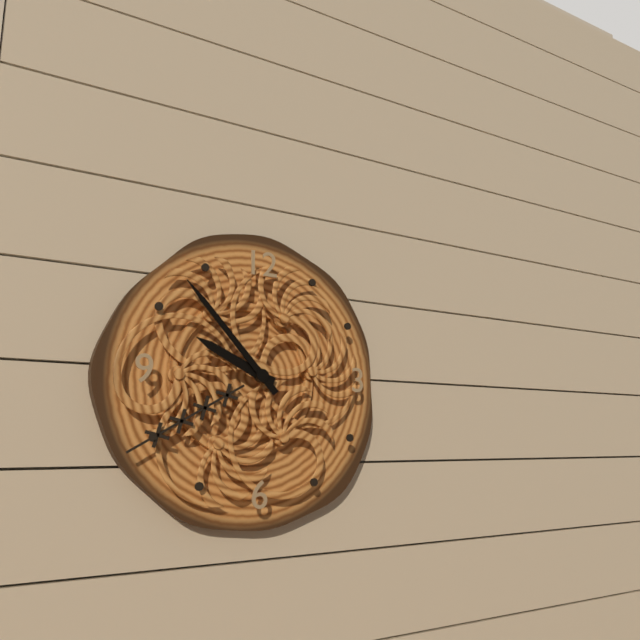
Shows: 9:53
